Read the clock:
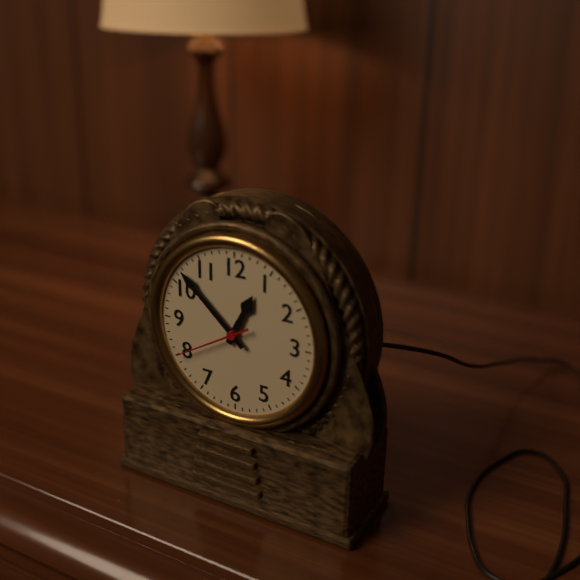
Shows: 12:52:40
